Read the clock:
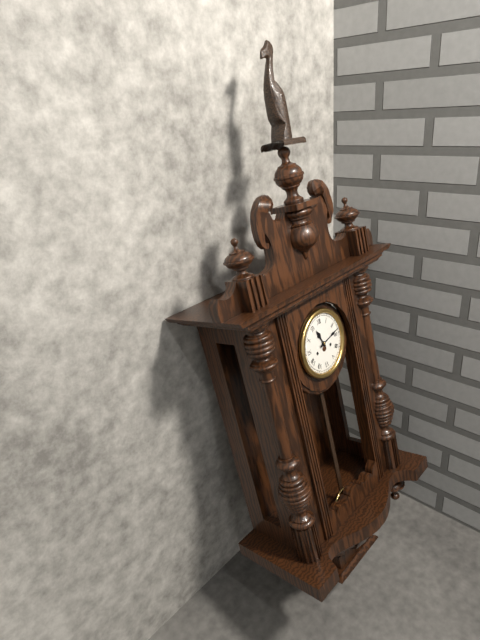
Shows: 11:13
